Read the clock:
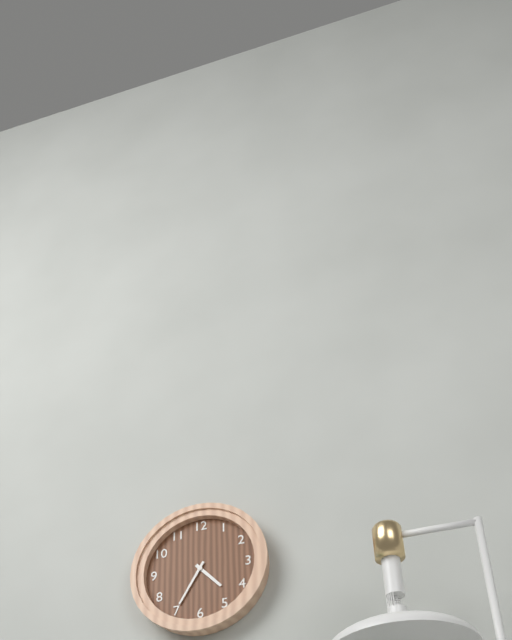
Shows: 4:35
